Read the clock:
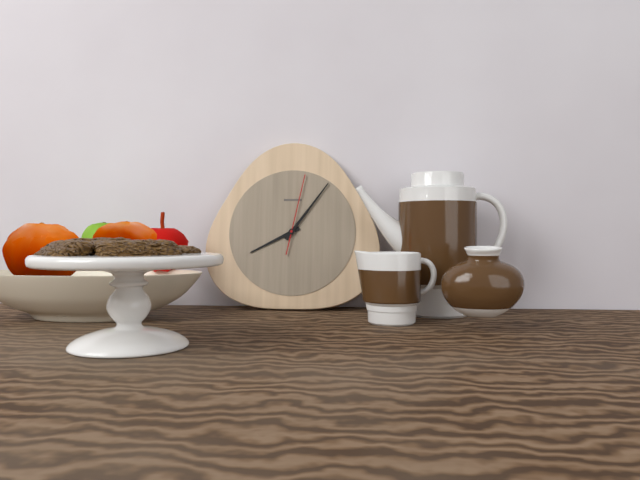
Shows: 8:06:02
